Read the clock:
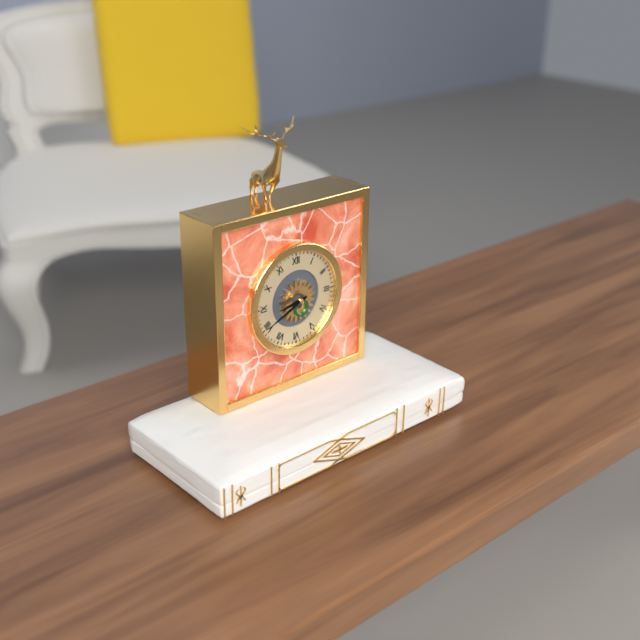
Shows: 8:41
